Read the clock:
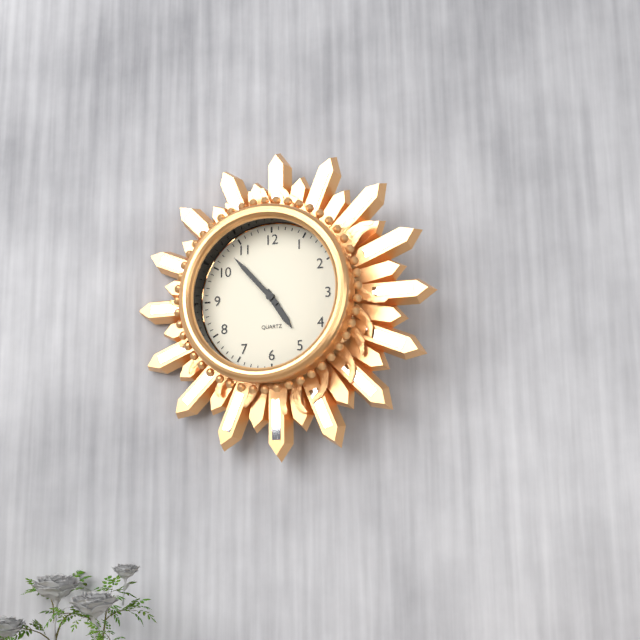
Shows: 4:53
